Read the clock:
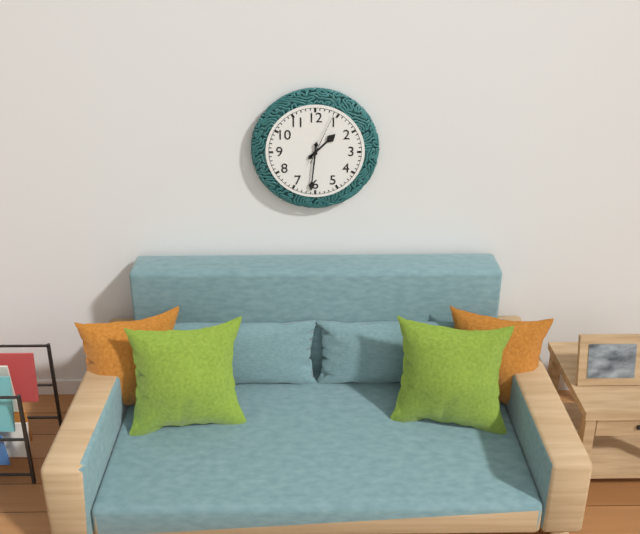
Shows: 1:31:04
